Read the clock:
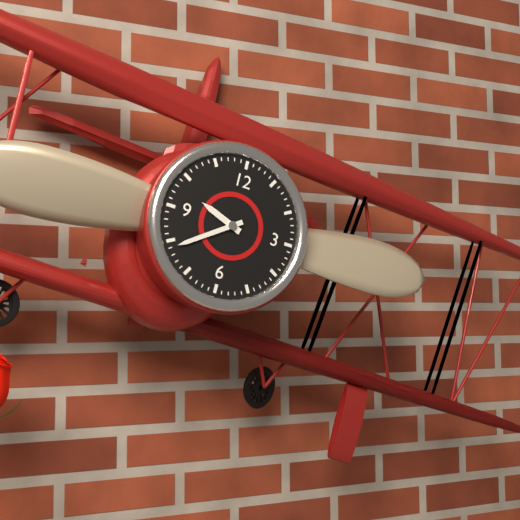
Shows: 9:39
